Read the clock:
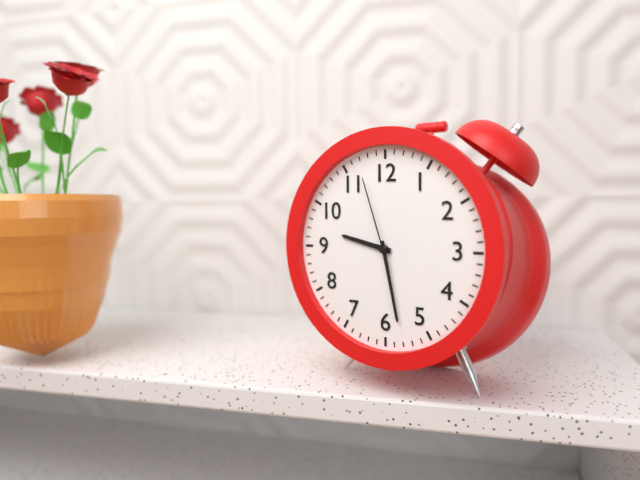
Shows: 9:28:57
